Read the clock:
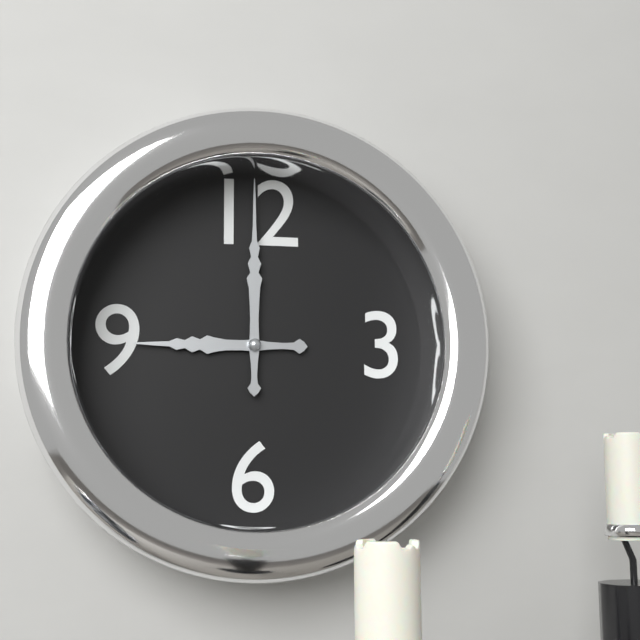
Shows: 9:00
